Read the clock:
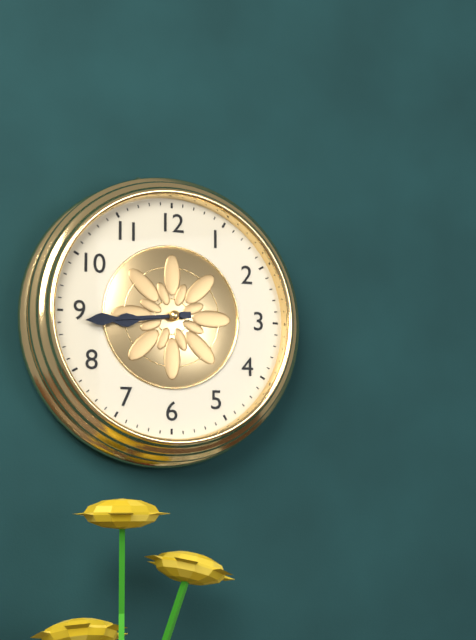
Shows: 8:44
